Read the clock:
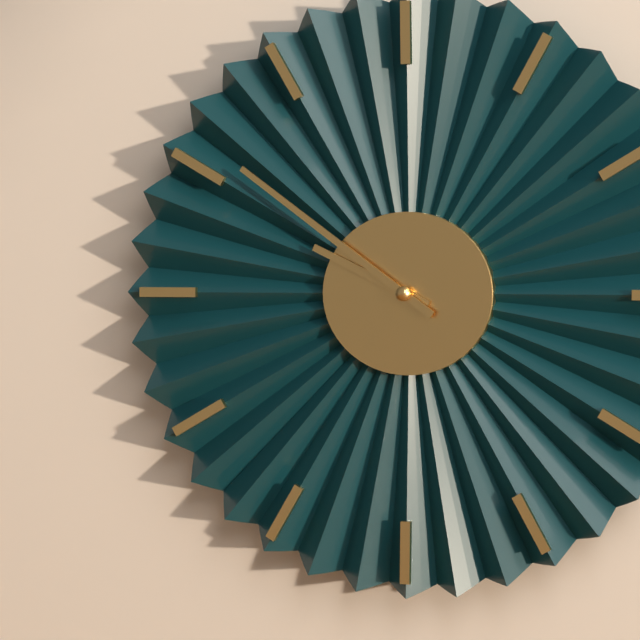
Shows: 9:51
